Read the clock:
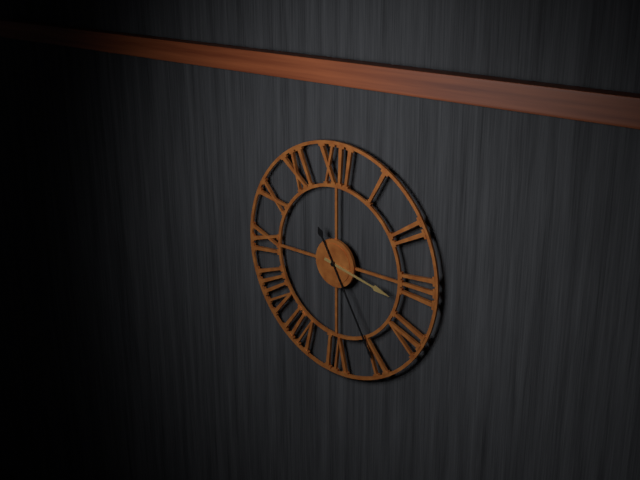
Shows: 3:25
